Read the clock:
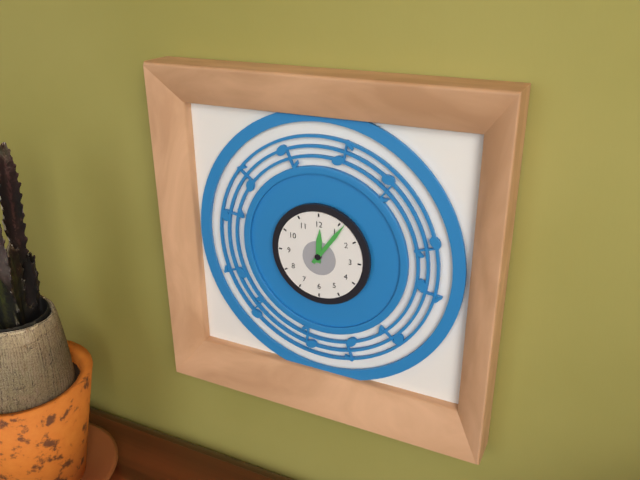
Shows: 12:06
